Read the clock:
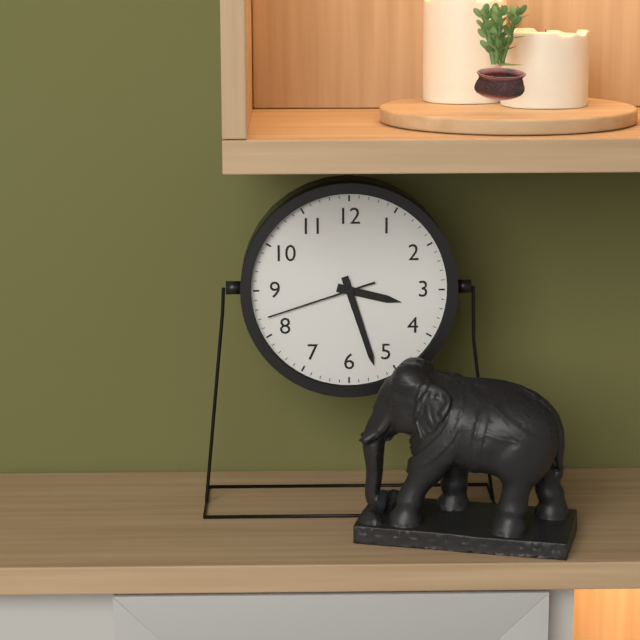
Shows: 3:27:42
